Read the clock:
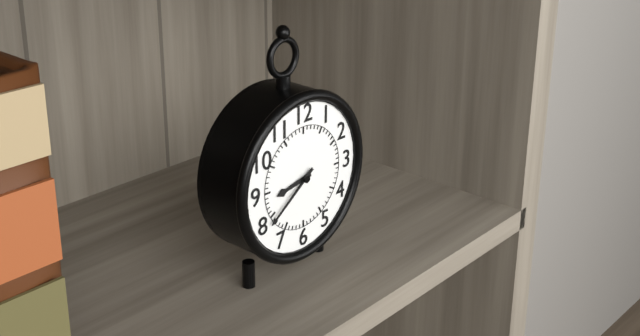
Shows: 8:39
